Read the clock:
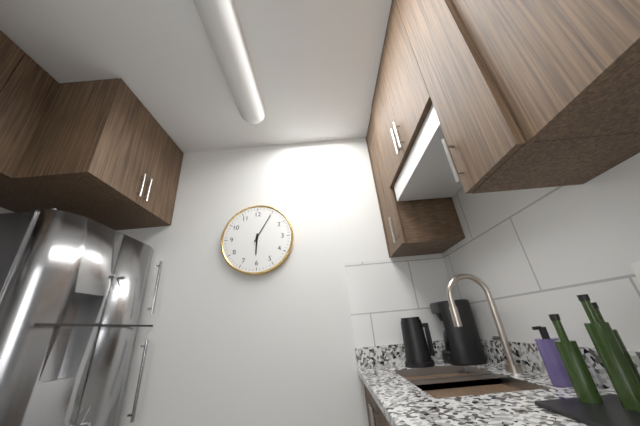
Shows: 6:05
